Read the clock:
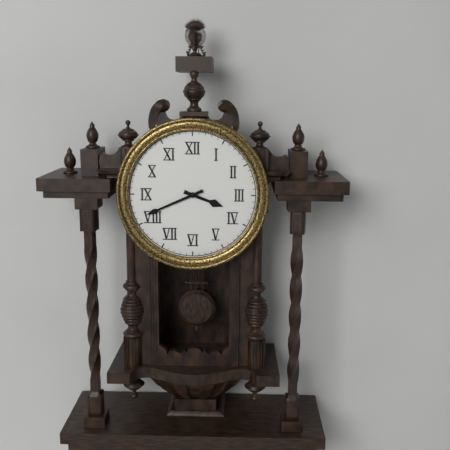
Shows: 3:41
